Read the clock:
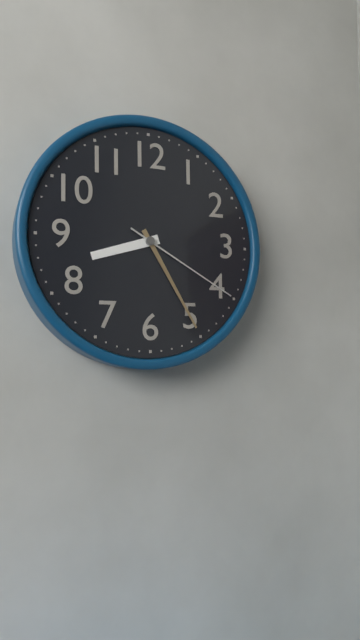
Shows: 8:25:20
